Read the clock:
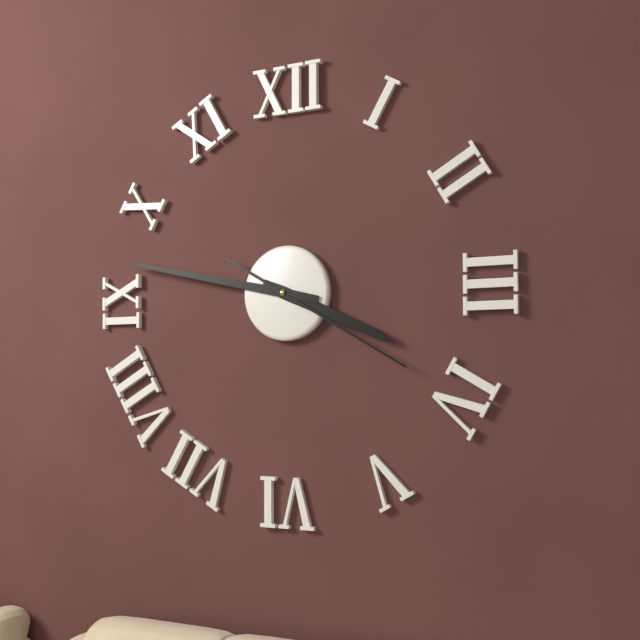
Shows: 3:47:20
